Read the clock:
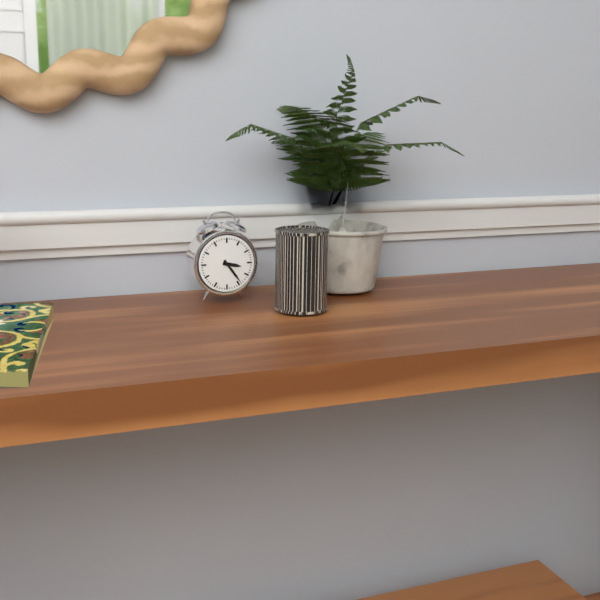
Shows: 3:24
